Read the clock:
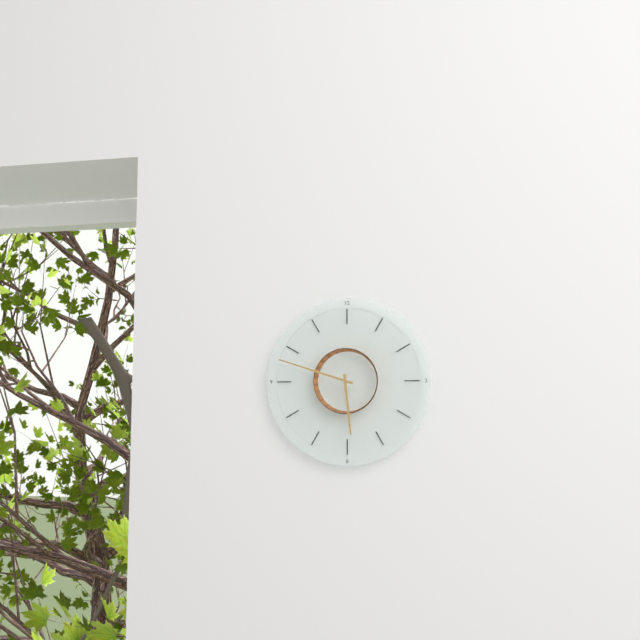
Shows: 5:48
